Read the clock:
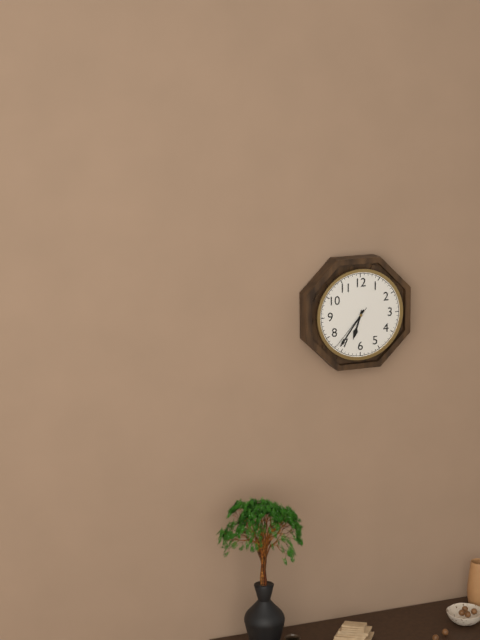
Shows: 6:36:37
